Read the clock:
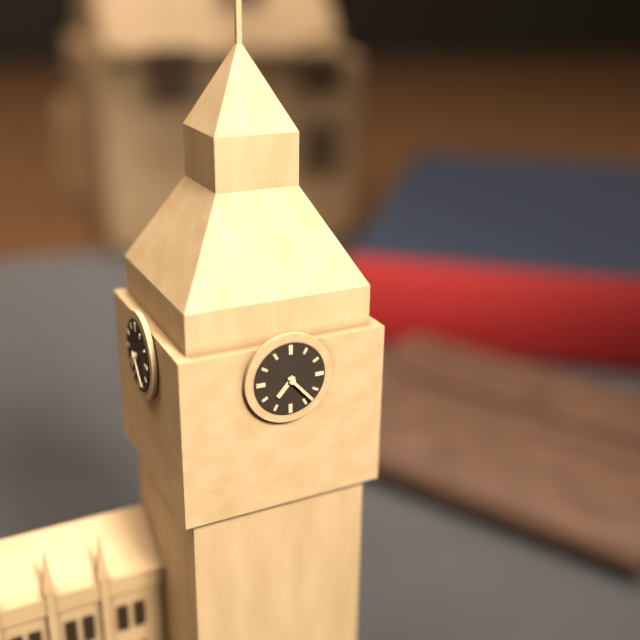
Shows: 7:23
